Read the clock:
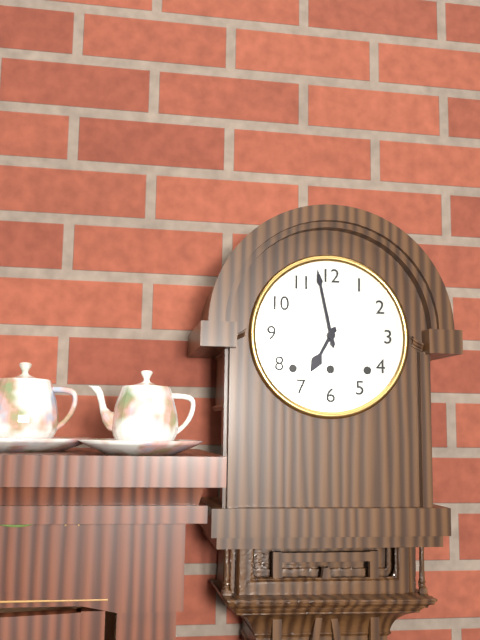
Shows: 6:58
